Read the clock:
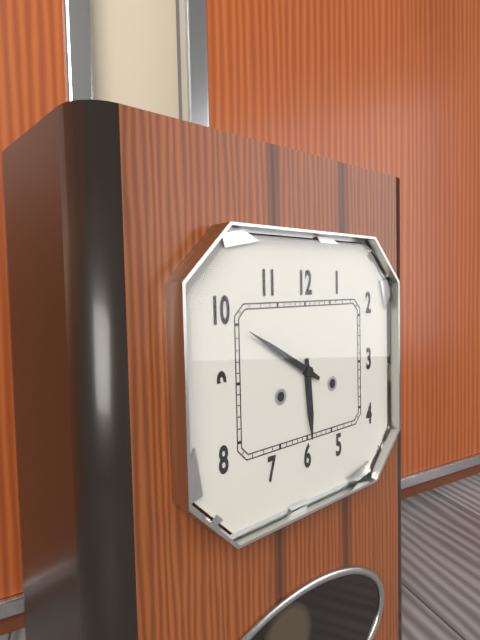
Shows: 5:50
